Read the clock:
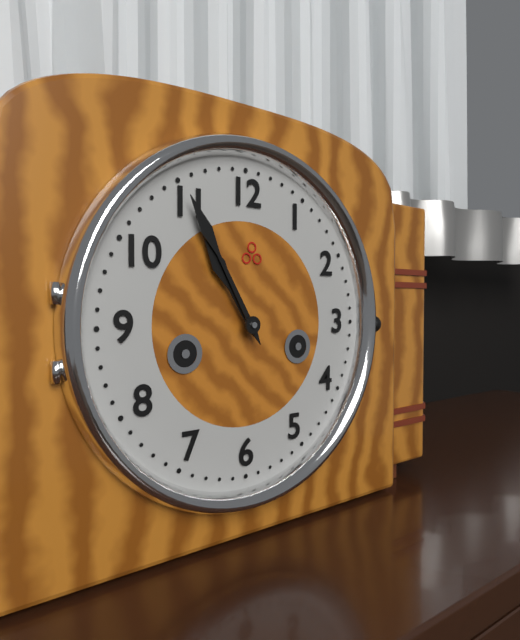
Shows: 10:55
